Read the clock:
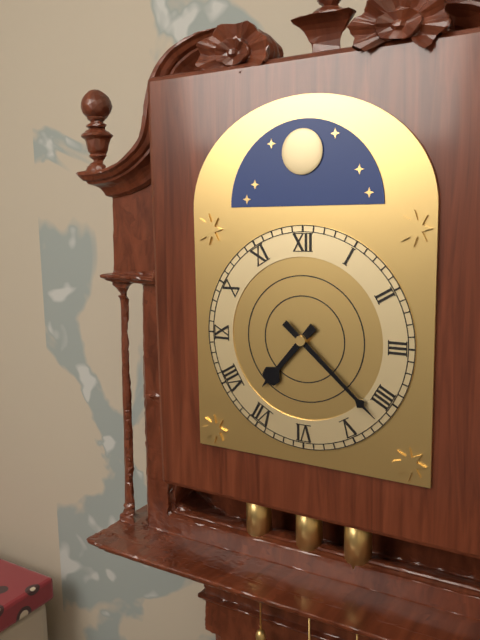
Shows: 7:22
